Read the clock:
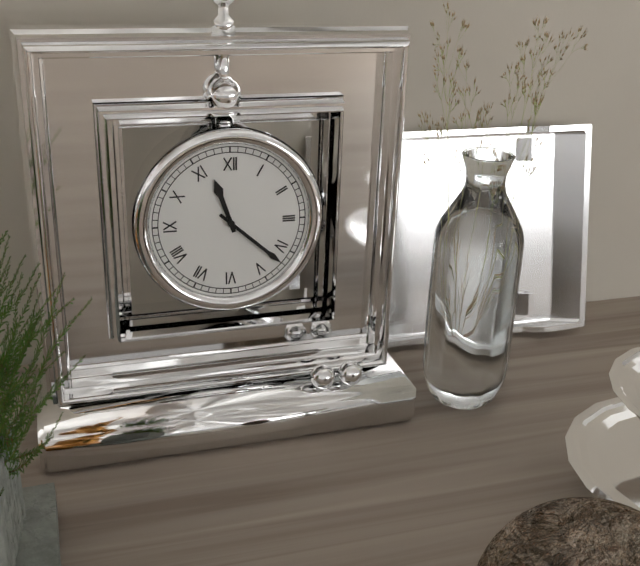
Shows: 11:22
